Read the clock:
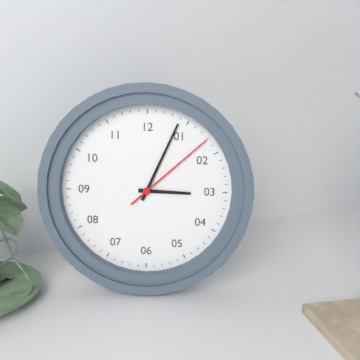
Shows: 3:04:08
